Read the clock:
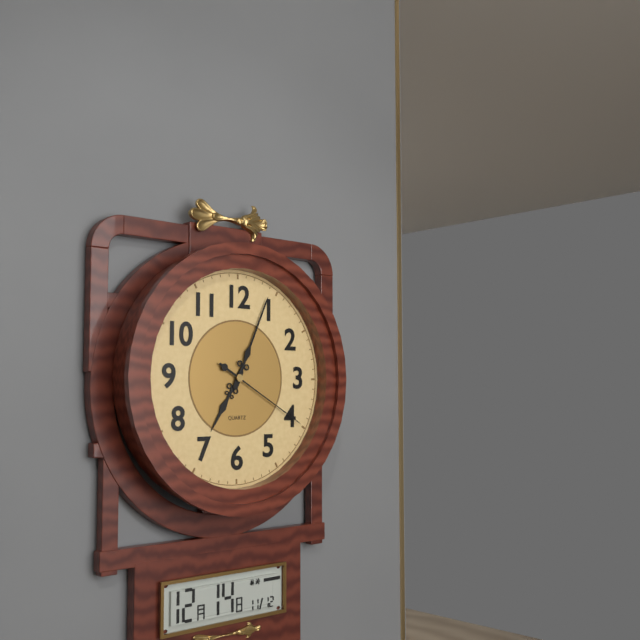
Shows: 7:04:20
